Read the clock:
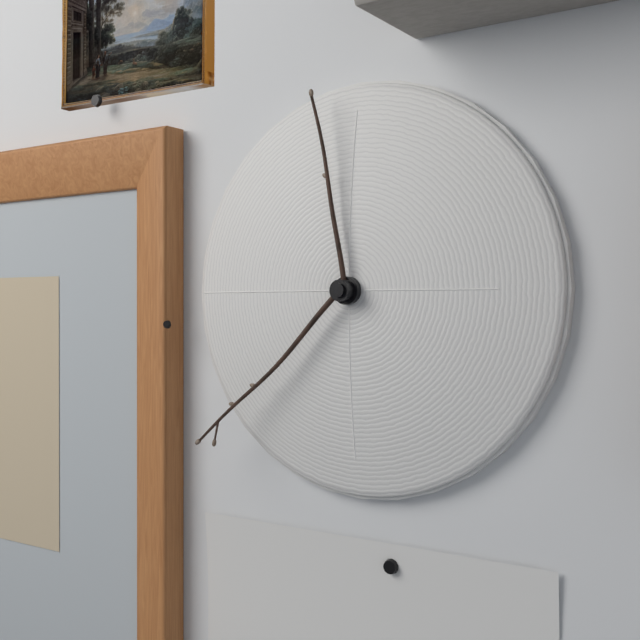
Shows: 11:38
